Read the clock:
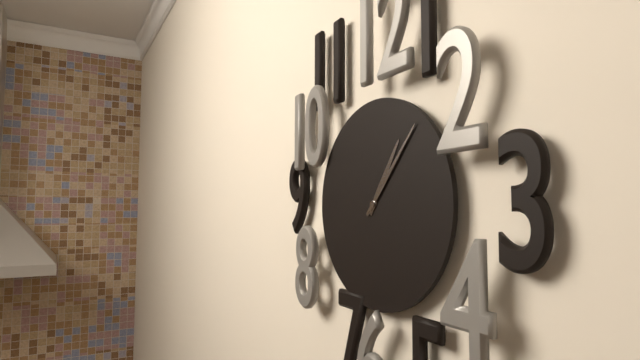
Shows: 1:07
